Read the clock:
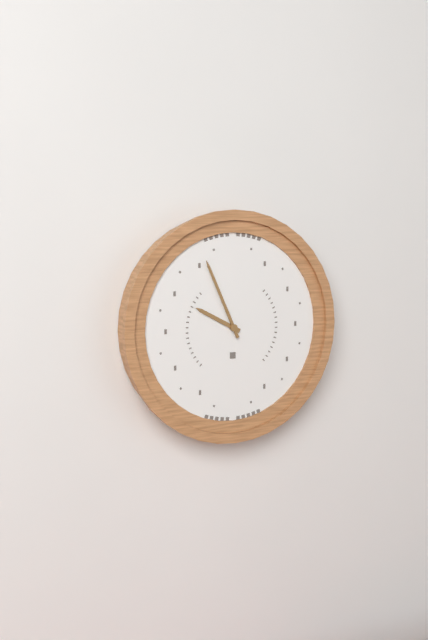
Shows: 9:56
